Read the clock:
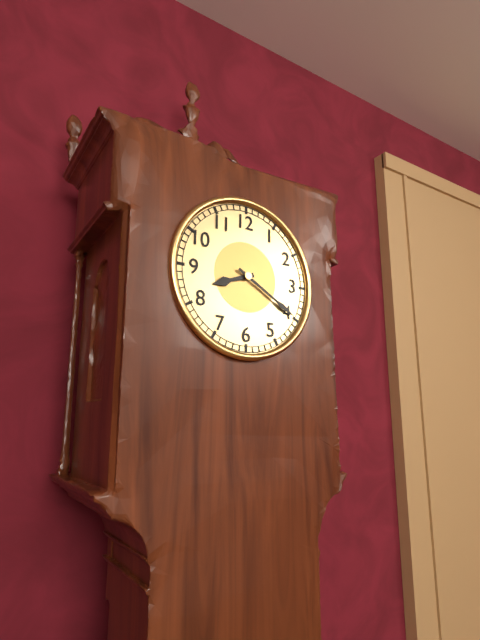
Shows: 8:20
